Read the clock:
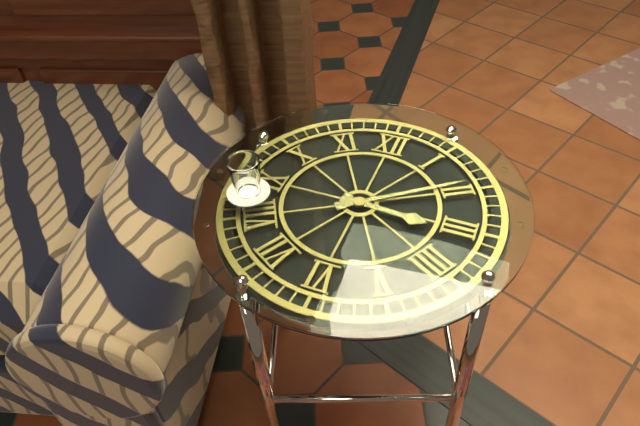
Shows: 3:09
